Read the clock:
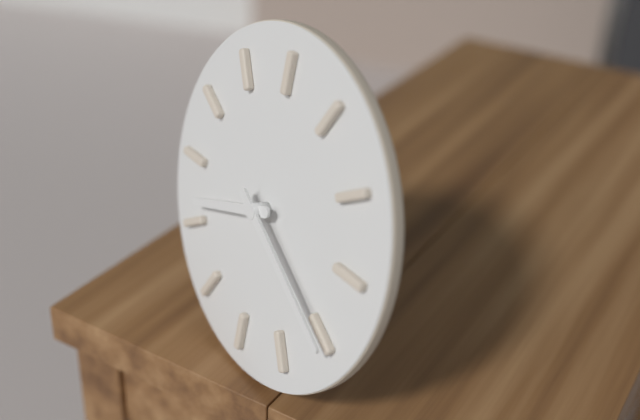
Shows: 8:20
